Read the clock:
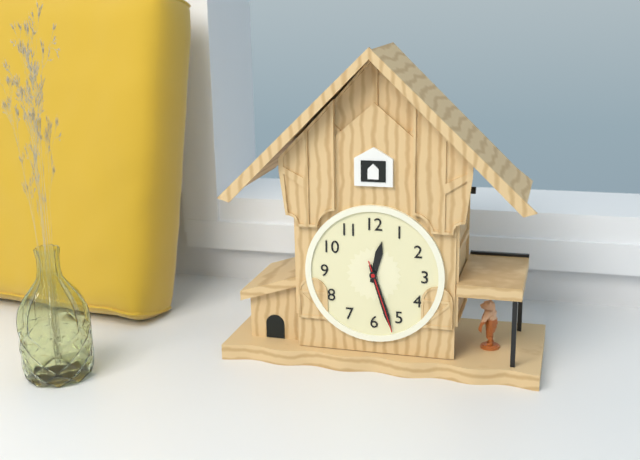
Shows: 12:27:27
